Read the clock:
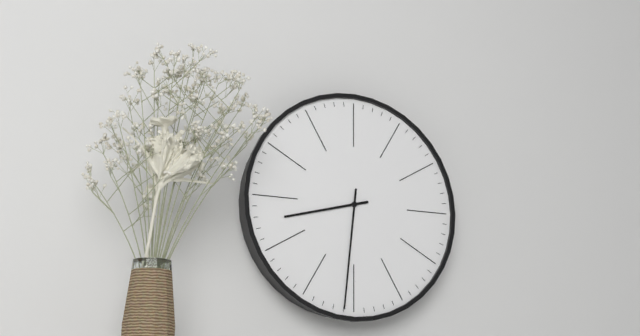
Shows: 8:31
